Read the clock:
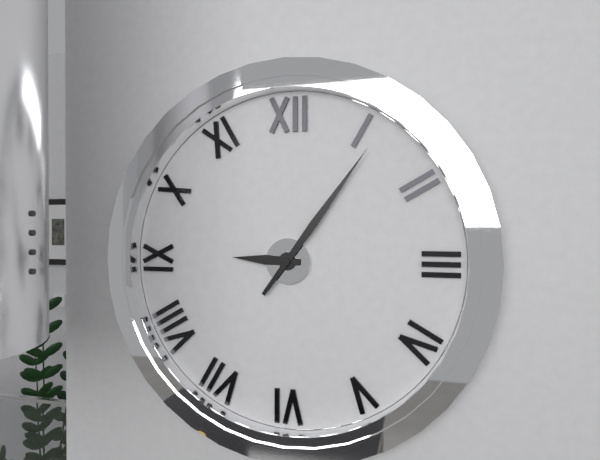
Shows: 9:06
